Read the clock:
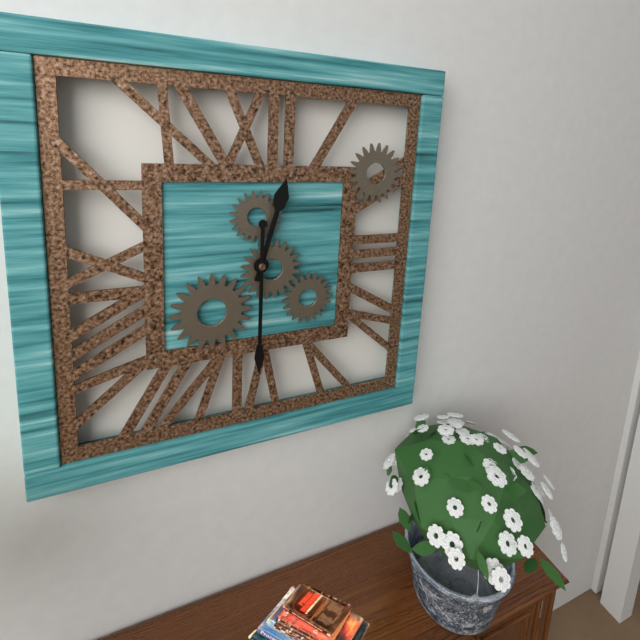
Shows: 12:30
